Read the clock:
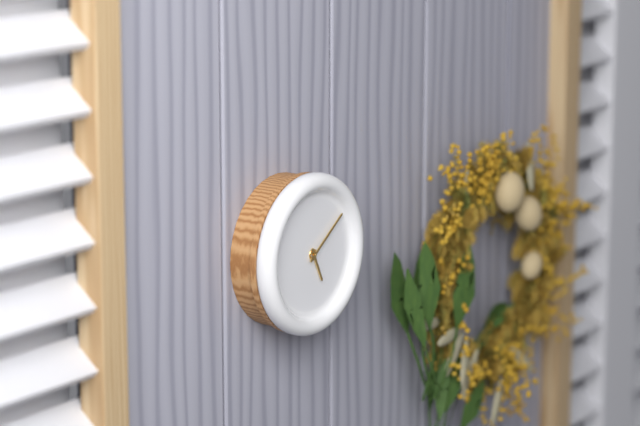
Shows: 5:09
